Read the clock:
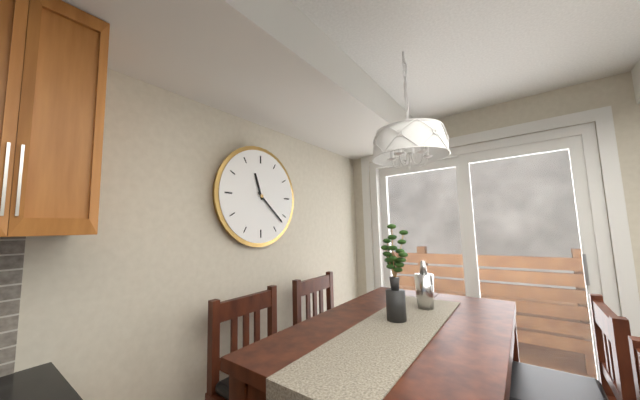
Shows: 11:22
